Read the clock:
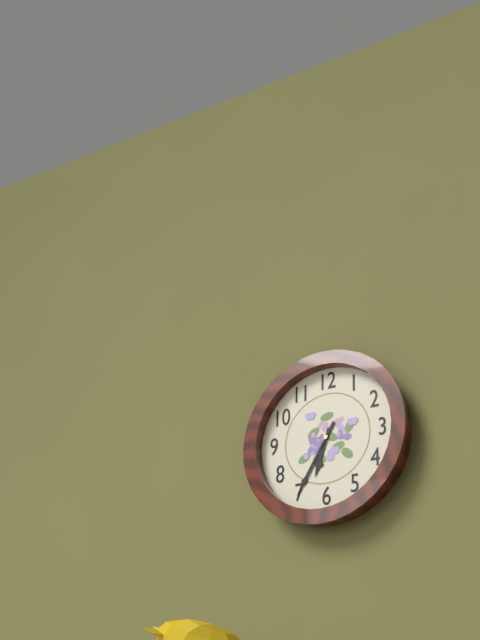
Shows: 6:35
